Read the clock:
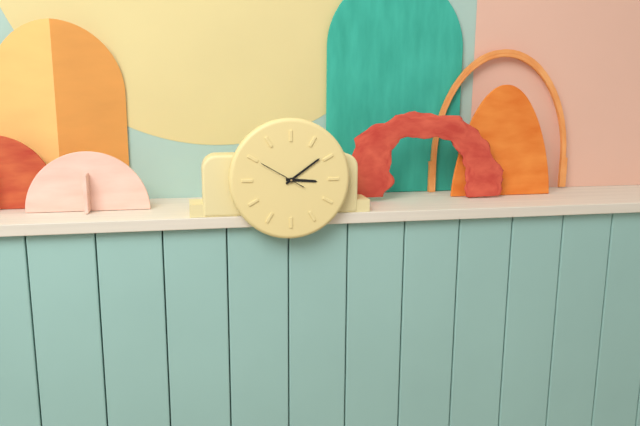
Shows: 3:09
